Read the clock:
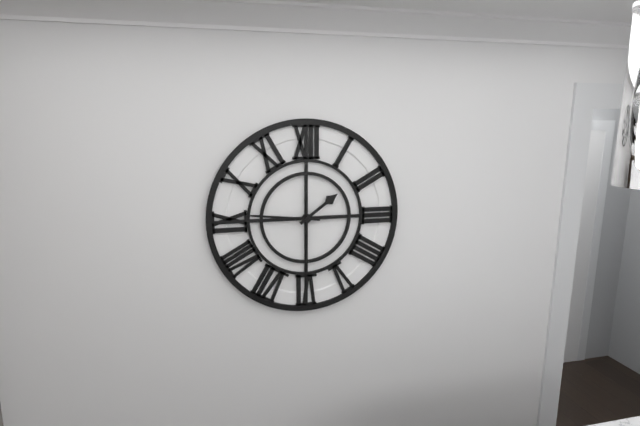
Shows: 1:46:30
